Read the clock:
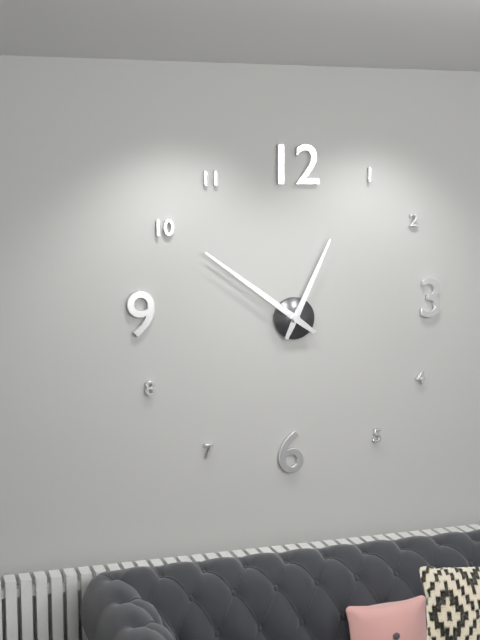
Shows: 12:51
